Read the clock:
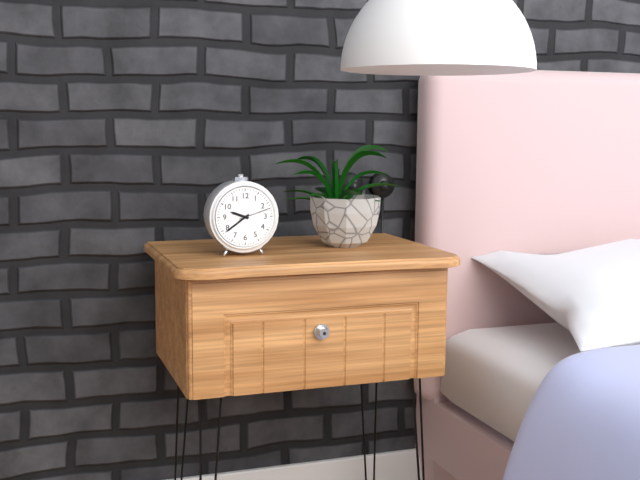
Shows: 9:39
